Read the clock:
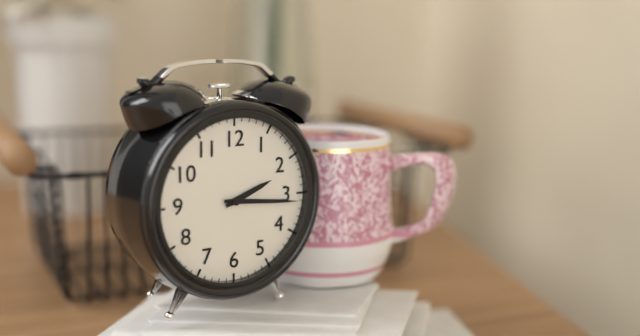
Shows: 2:16
